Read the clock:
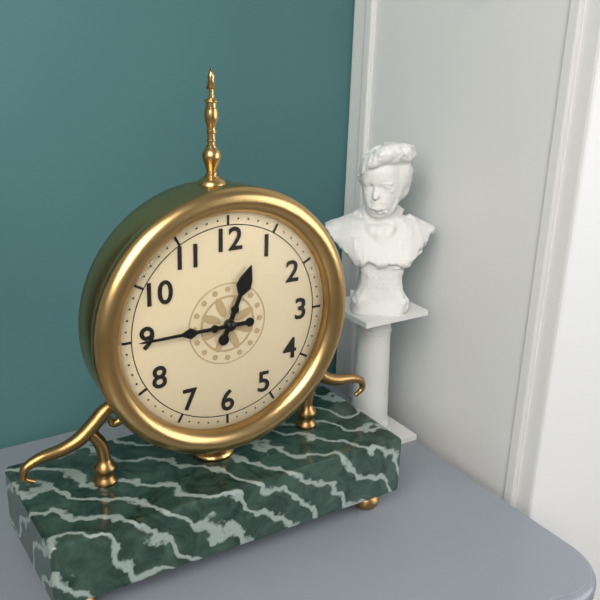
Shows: 12:45
